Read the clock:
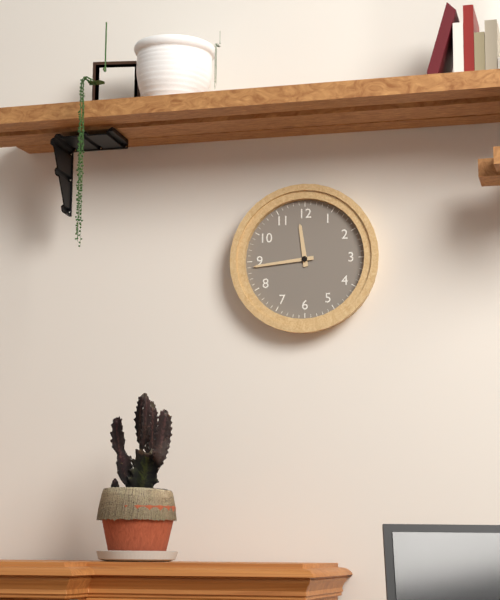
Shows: 11:44
